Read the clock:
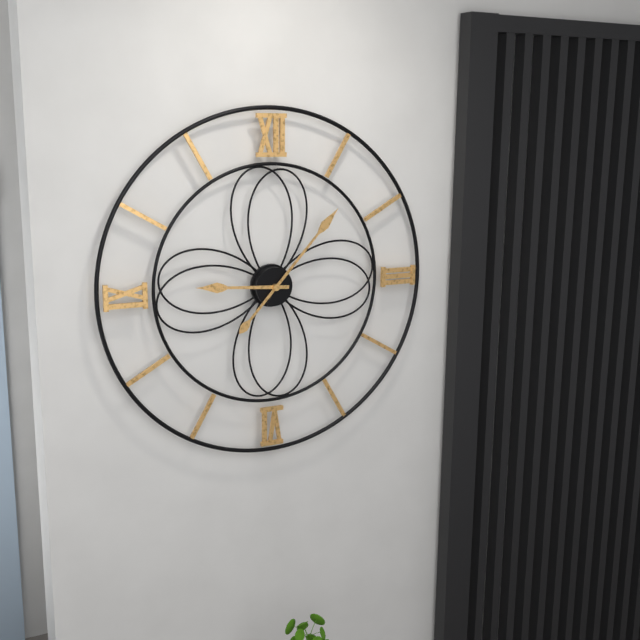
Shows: 9:07
